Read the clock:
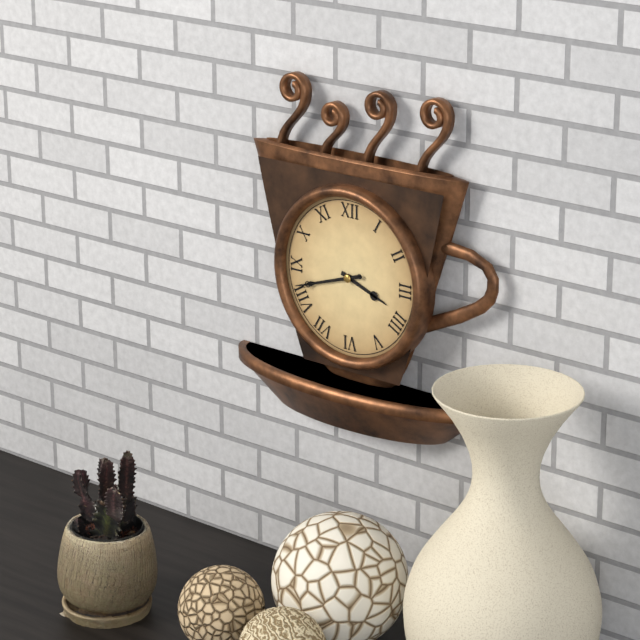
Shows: 3:42:42
